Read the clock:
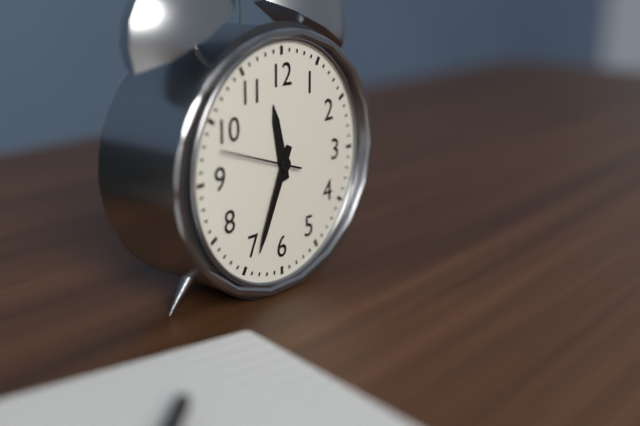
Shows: 11:34:48
